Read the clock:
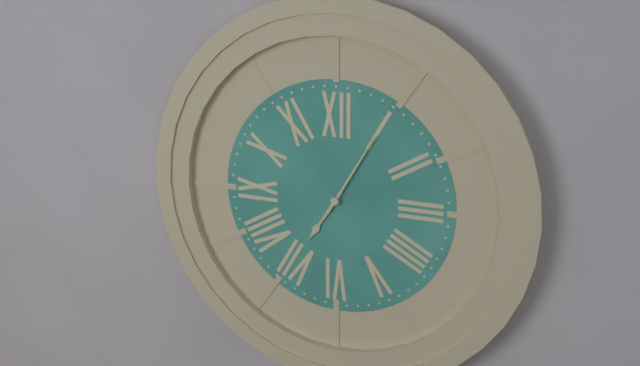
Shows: 7:05
